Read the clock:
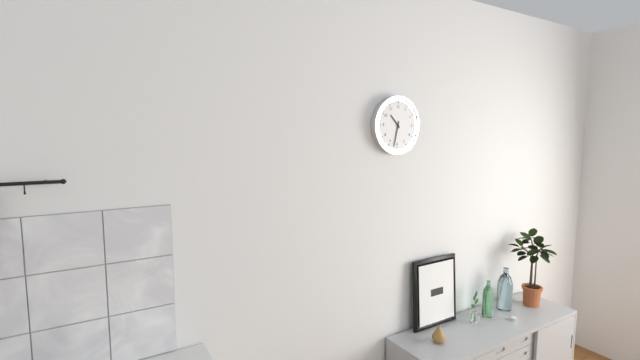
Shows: 10:32
